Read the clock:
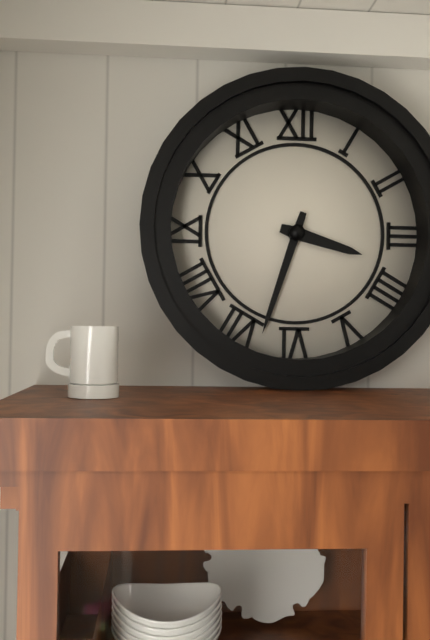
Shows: 3:33
